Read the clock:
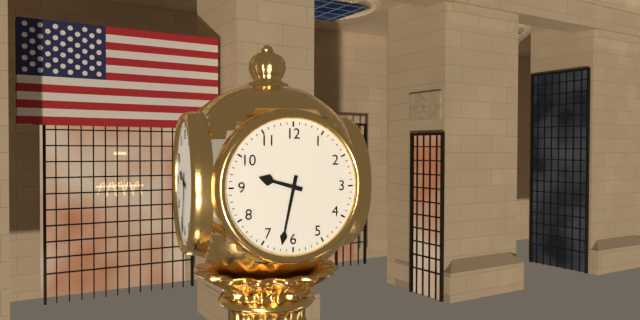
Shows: 9:32
